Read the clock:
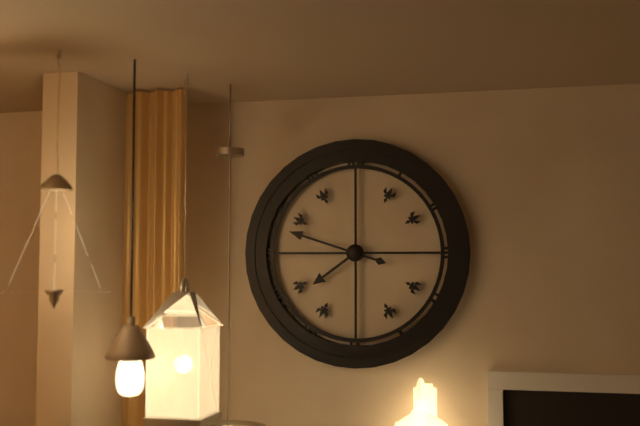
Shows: 7:48
